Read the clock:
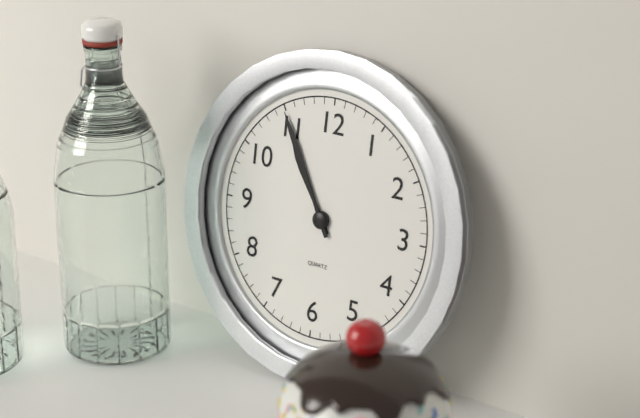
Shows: 10:55
